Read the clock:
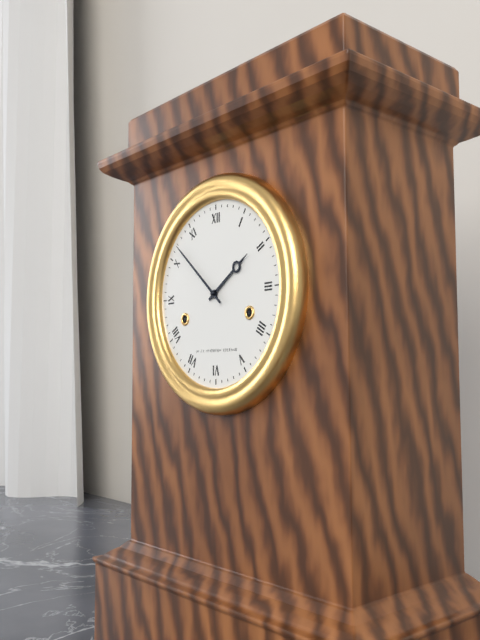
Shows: 1:52
